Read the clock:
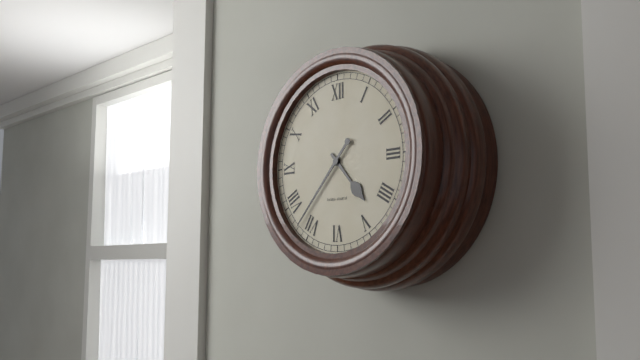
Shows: 4:37
